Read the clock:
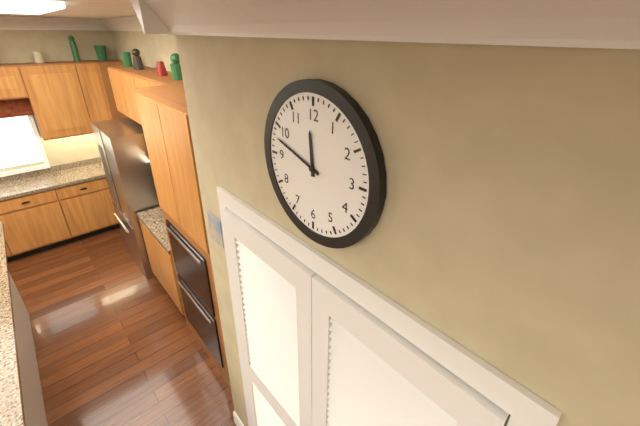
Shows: 11:48
